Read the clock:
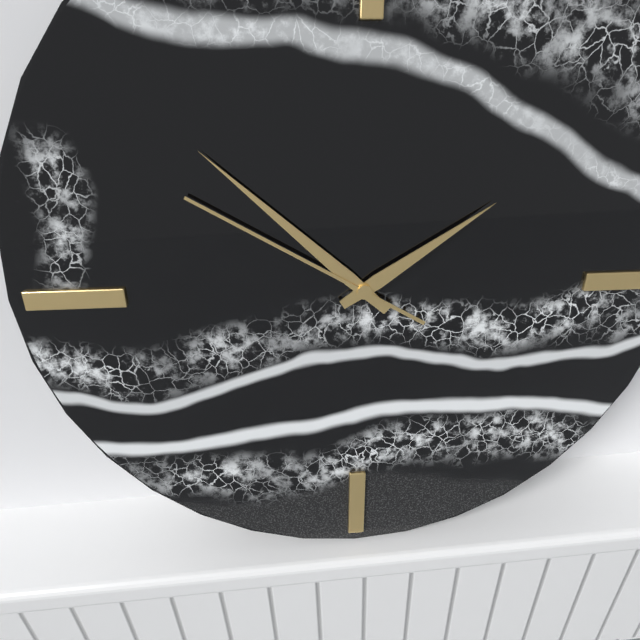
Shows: 1:52:50
